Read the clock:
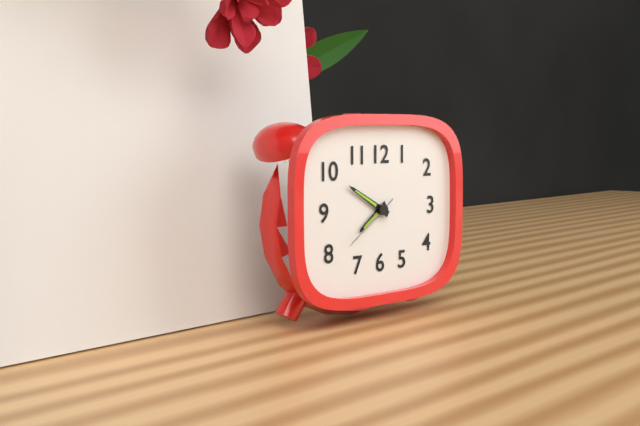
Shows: 7:50:39
